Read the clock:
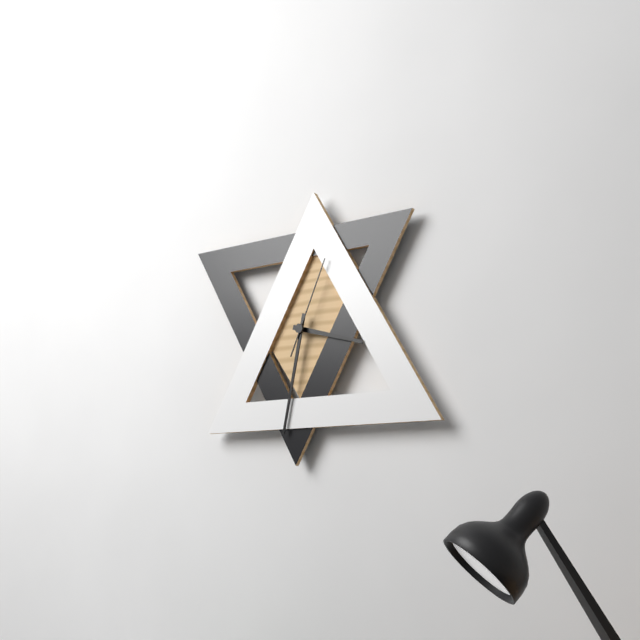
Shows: 3:32:04
